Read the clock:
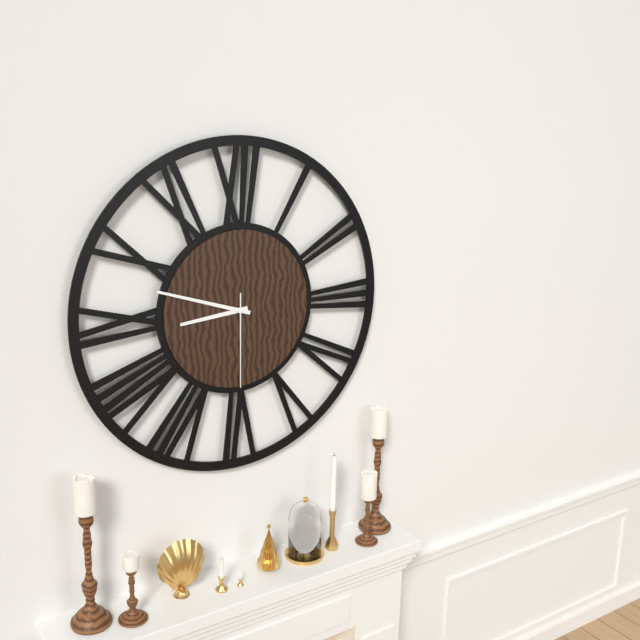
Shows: 8:48:30
